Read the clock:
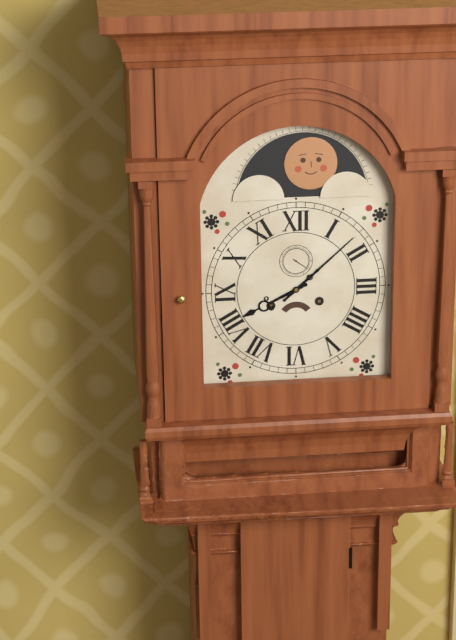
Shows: 8:08
